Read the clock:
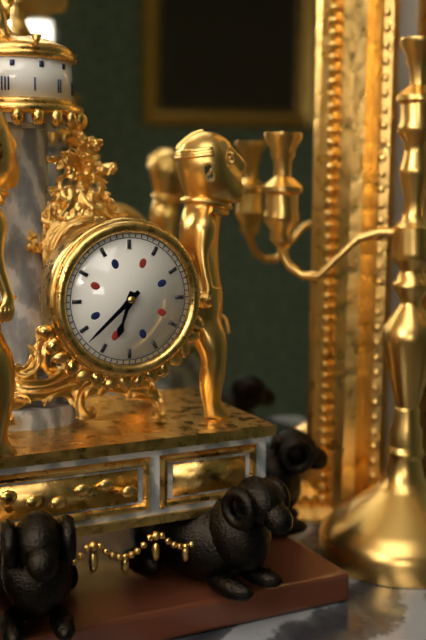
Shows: 6:38
